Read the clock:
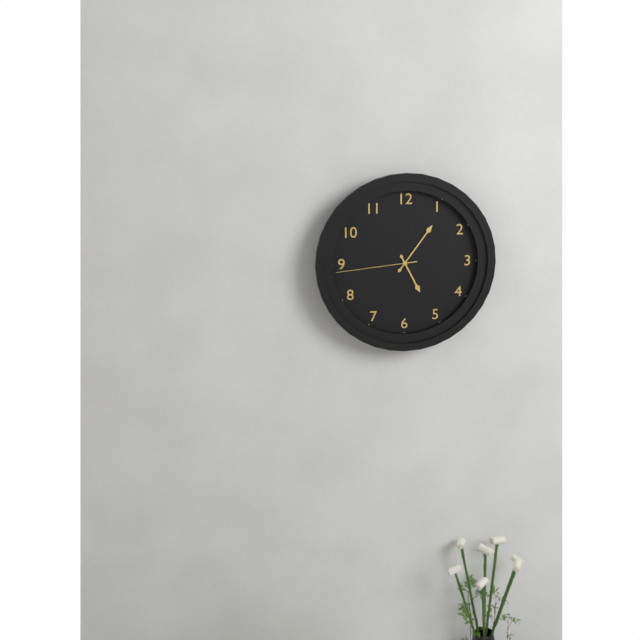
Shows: 5:06:44
